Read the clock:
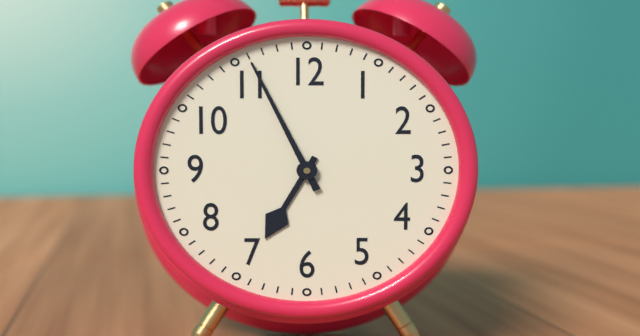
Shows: 6:56
